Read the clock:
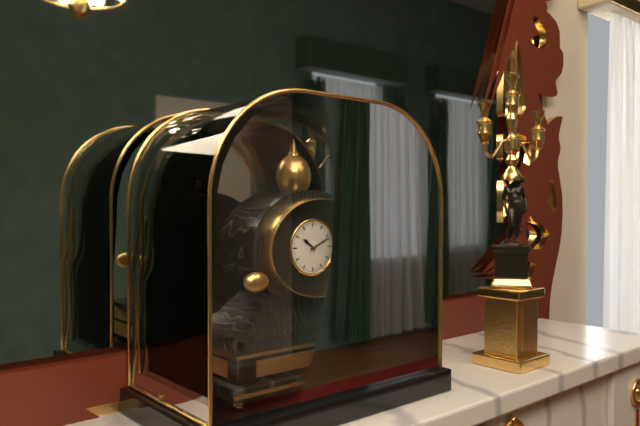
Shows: 10:11
